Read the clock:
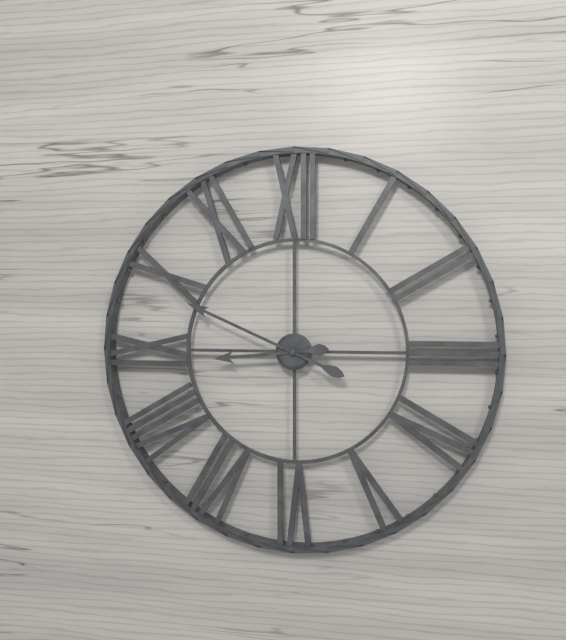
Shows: 8:49
